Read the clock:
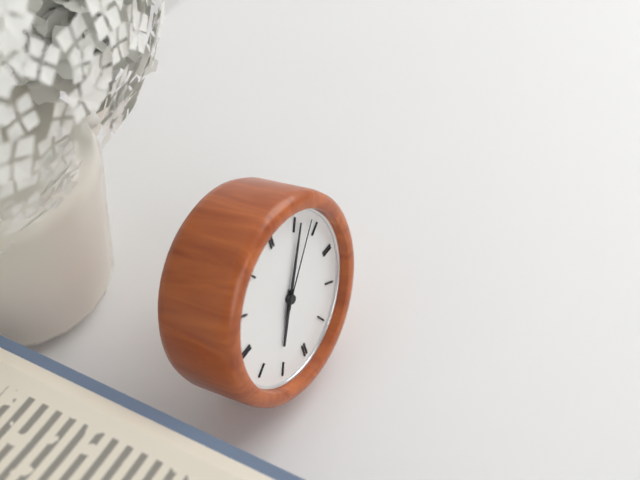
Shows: 7:06:08
